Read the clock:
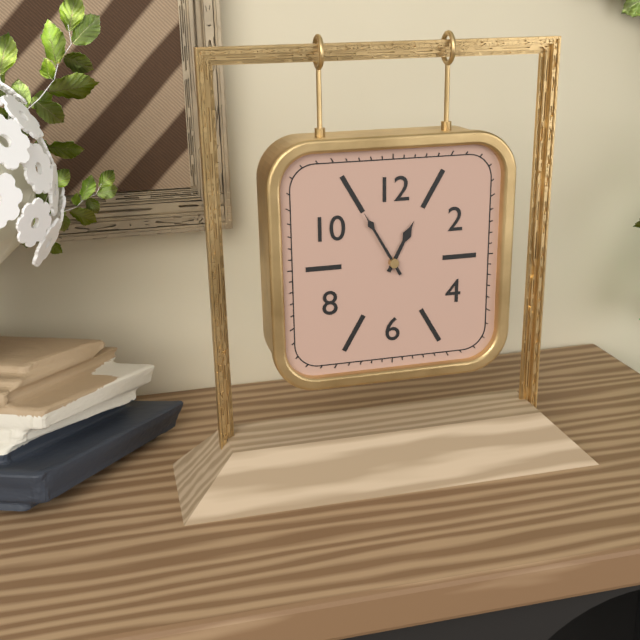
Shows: 12:55
